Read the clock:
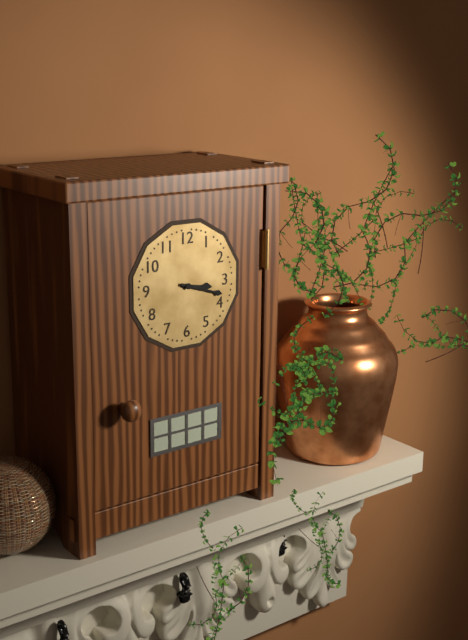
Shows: 3:18
